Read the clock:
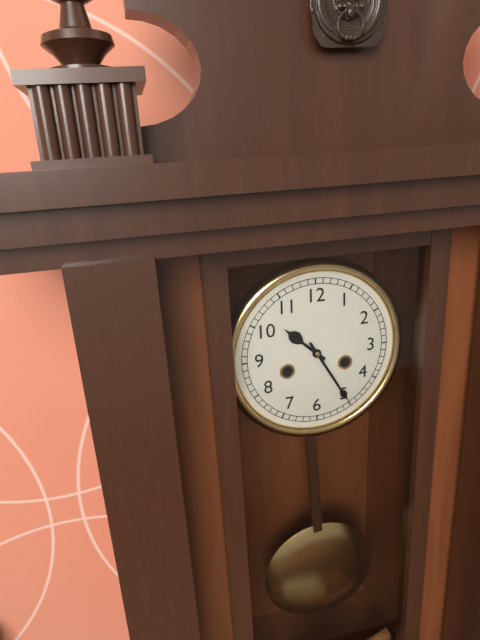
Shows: 10:25
